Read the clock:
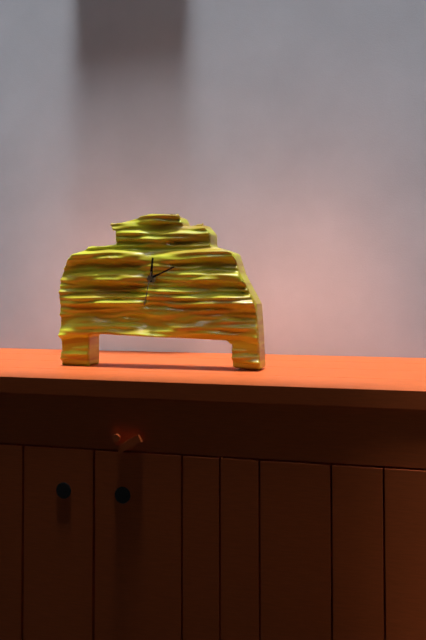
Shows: 12:11
